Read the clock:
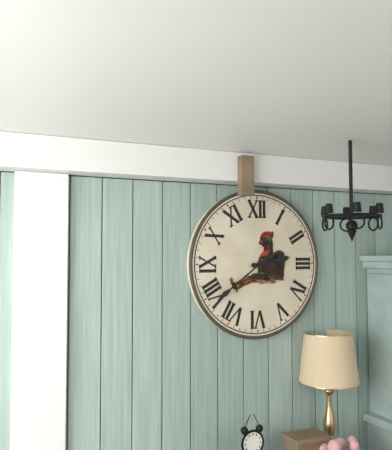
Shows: 2:39
